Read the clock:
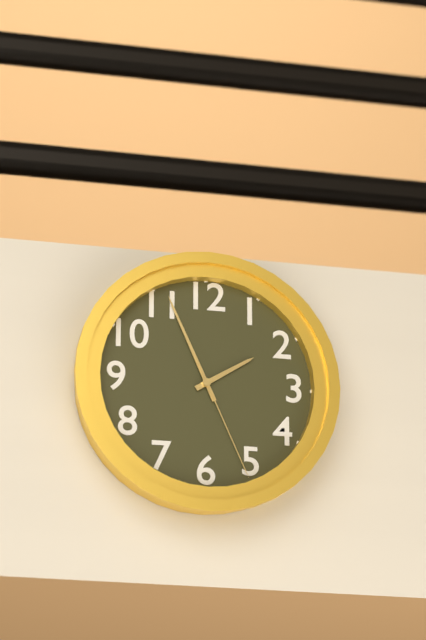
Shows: 1:56:26
